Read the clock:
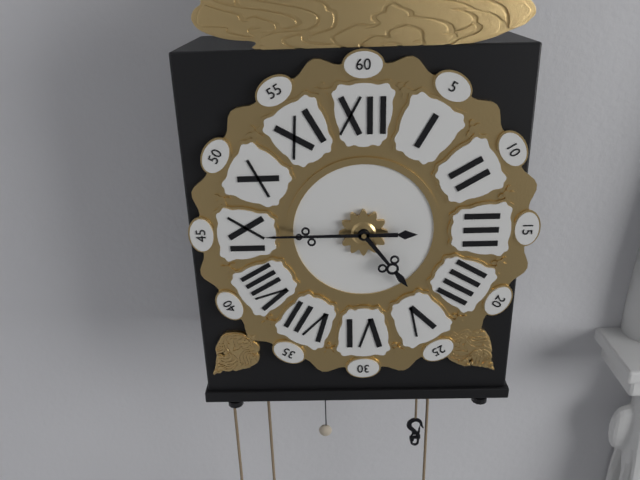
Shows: 4:45
